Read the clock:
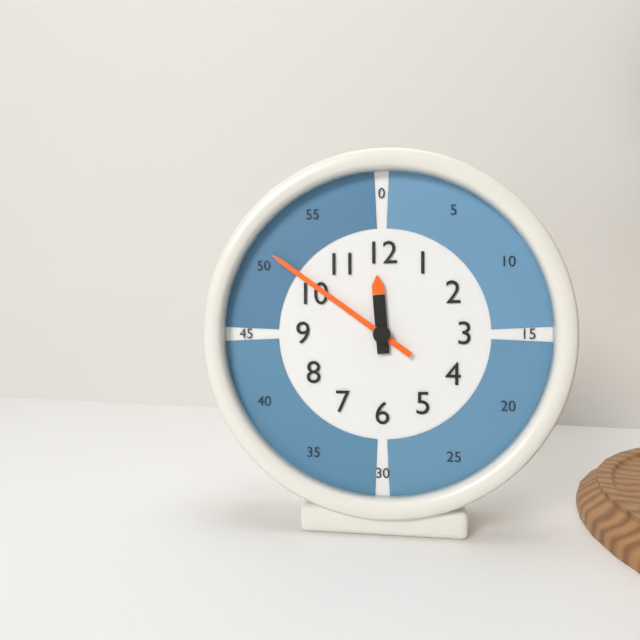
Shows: 11:51
